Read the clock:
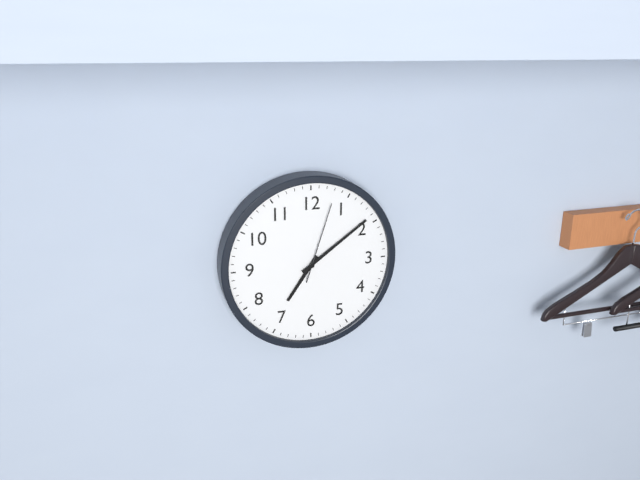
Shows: 7:09:03
